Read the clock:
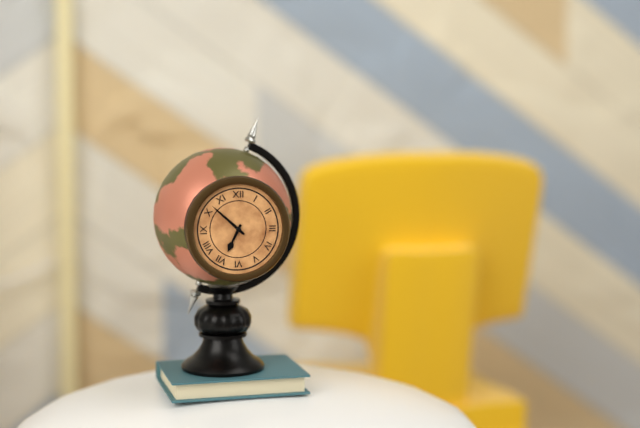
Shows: 6:52
